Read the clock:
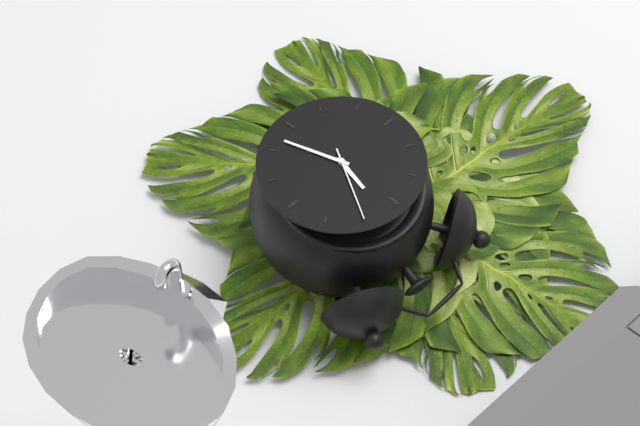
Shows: 12:27:05
